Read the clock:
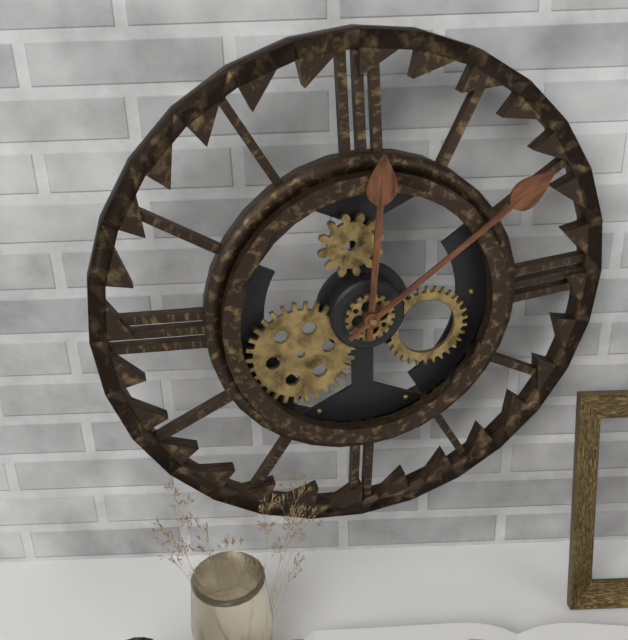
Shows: 12:09
